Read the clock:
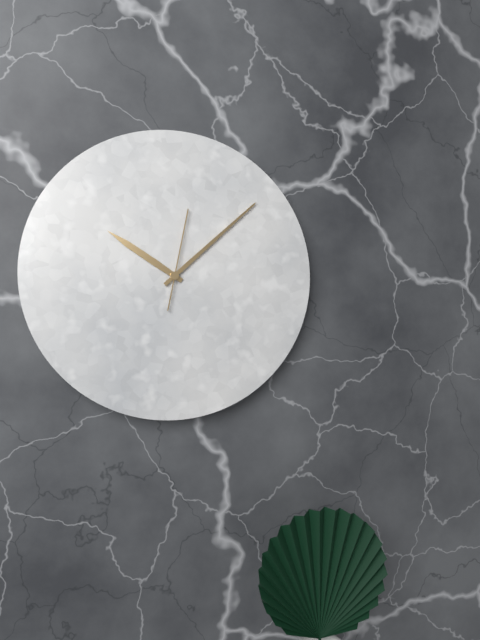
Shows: 10:08:02
